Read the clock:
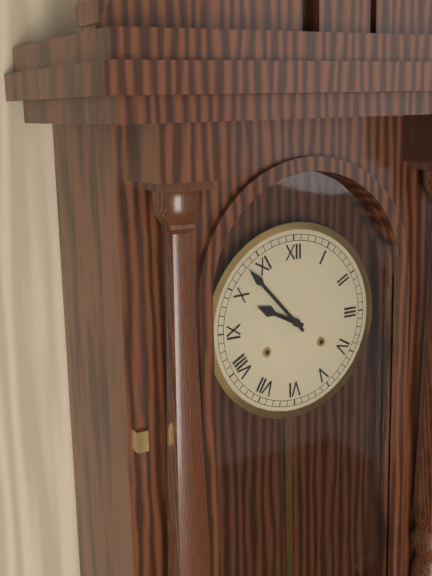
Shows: 9:53
